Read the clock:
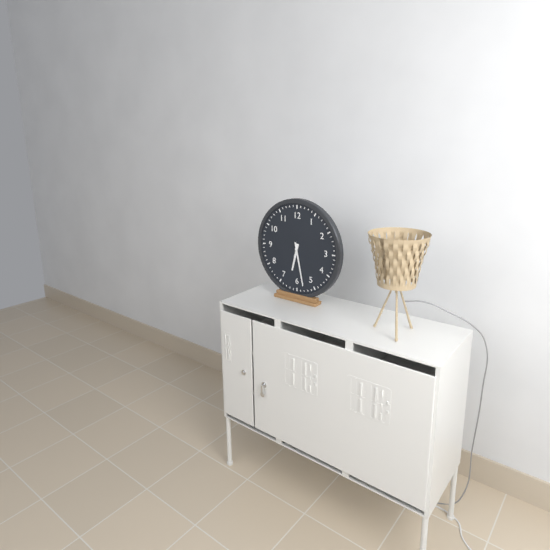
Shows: 6:28
